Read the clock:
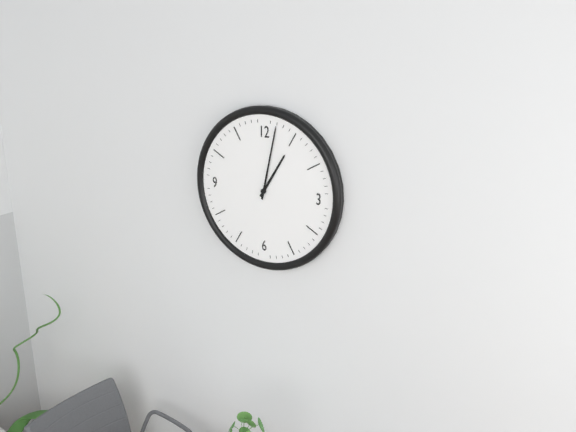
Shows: 1:02
